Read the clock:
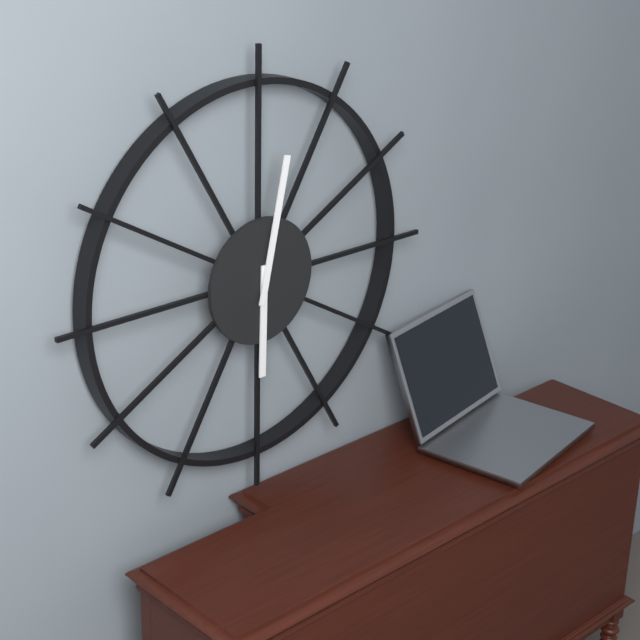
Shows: 6:02
